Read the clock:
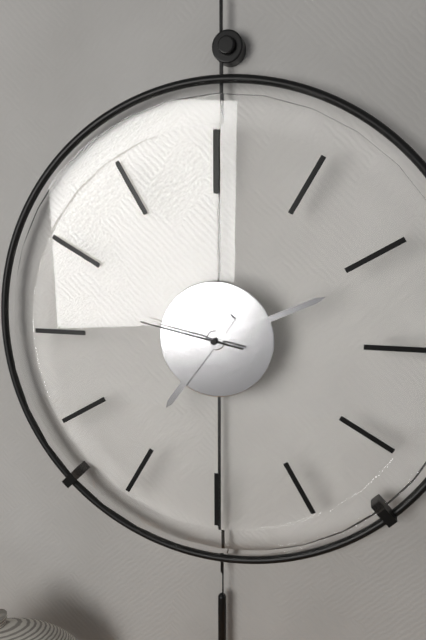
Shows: 7:11:47
